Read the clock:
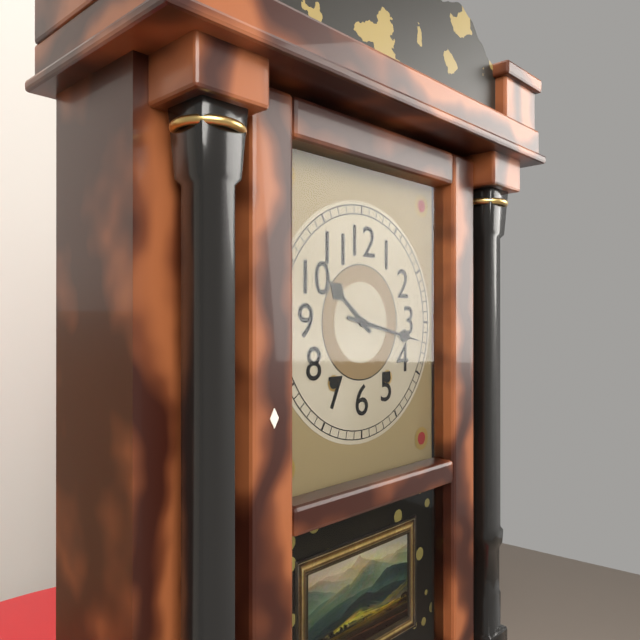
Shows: 10:17
